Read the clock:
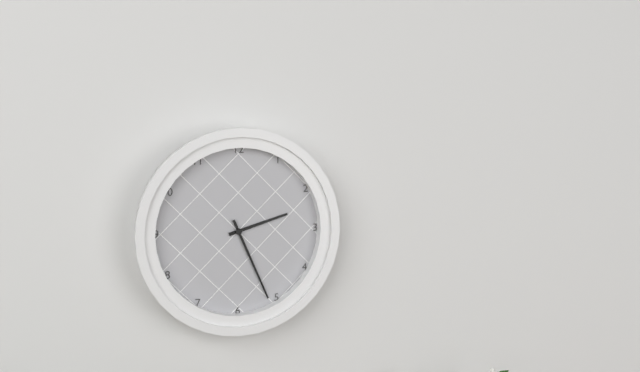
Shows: 2:26
